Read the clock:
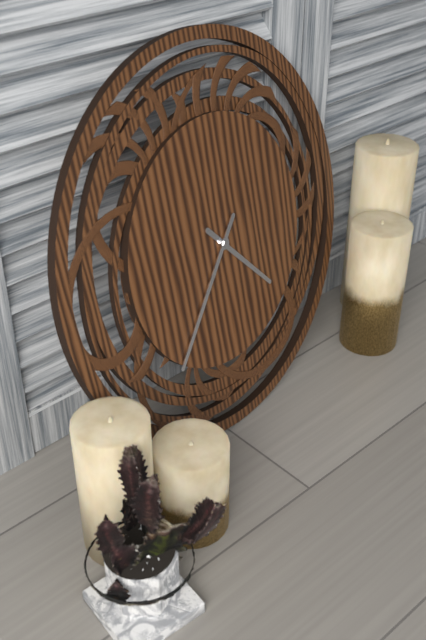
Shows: 4:37
